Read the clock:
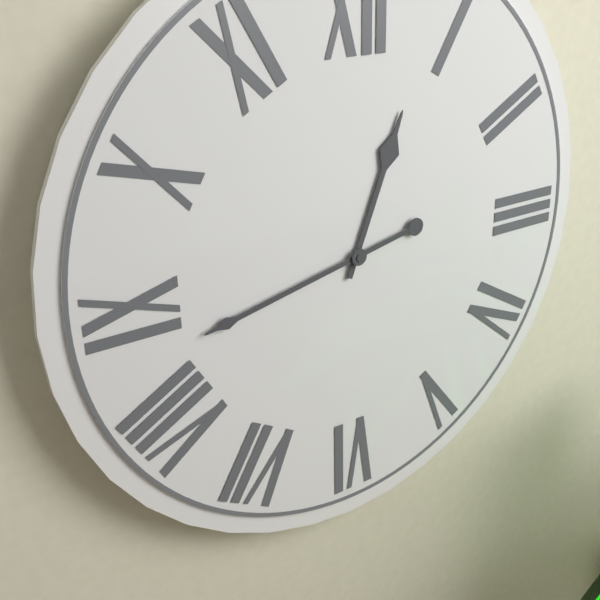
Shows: 12:43
